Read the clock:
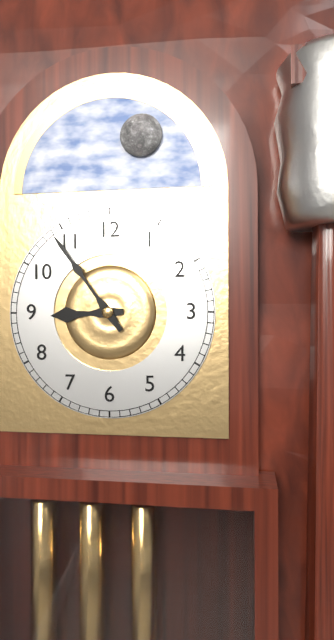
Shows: 8:54
